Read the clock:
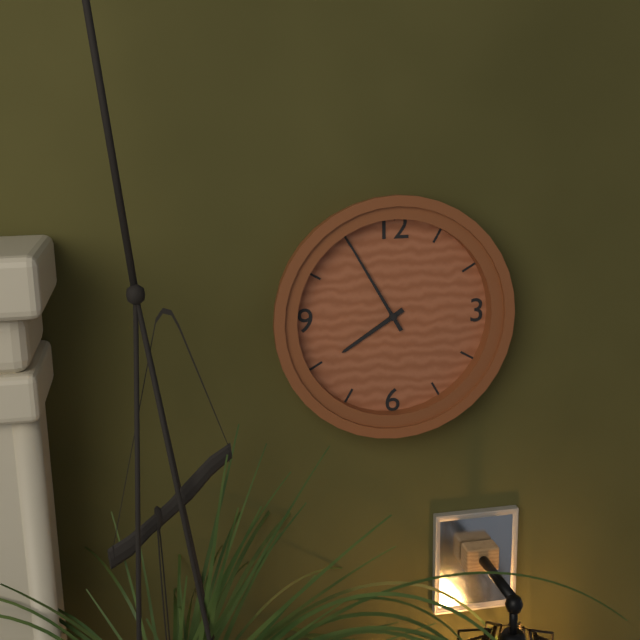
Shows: 7:55
